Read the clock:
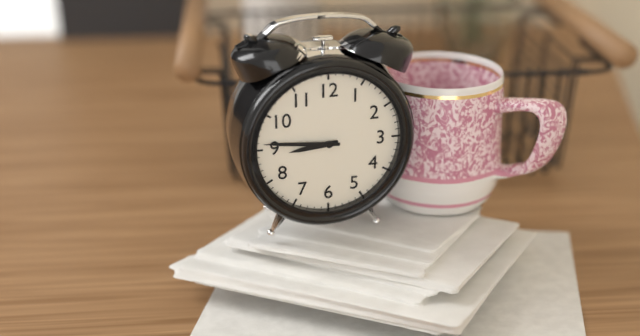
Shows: 8:46
